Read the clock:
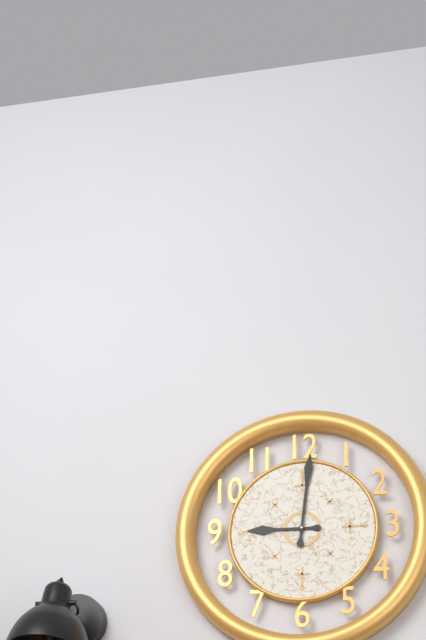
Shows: 9:01
